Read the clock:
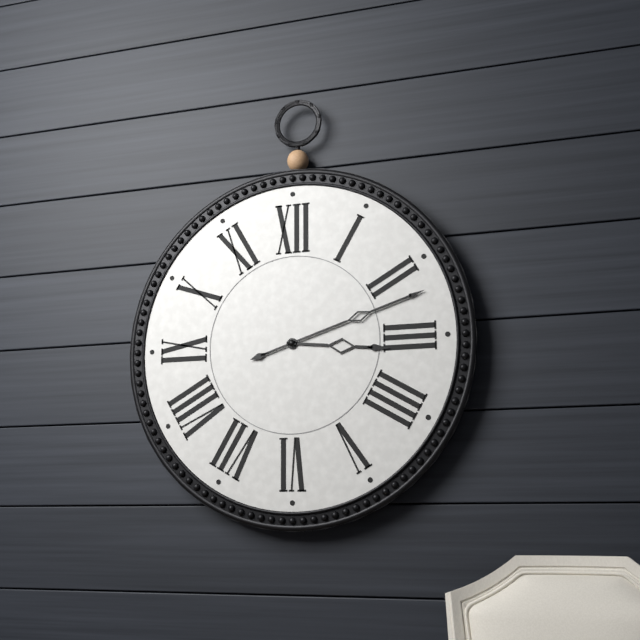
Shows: 3:12
